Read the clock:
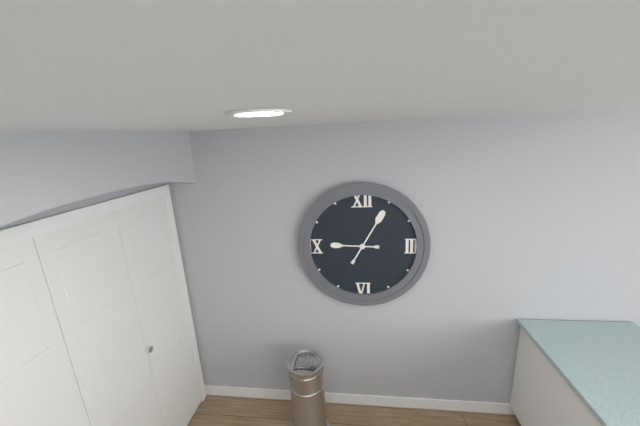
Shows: 9:05
